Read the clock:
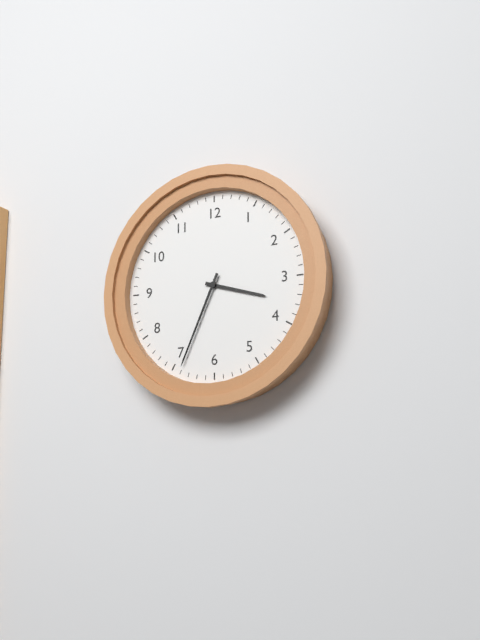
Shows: 3:34
